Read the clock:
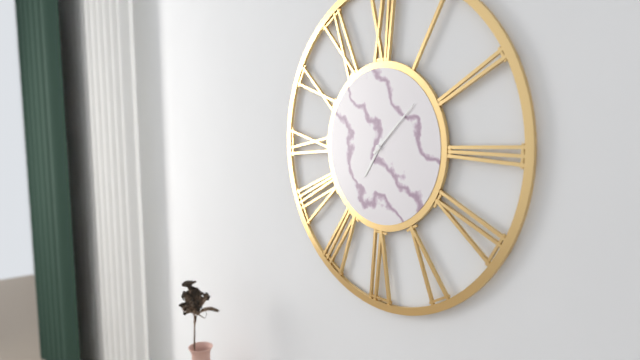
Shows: 7:08
